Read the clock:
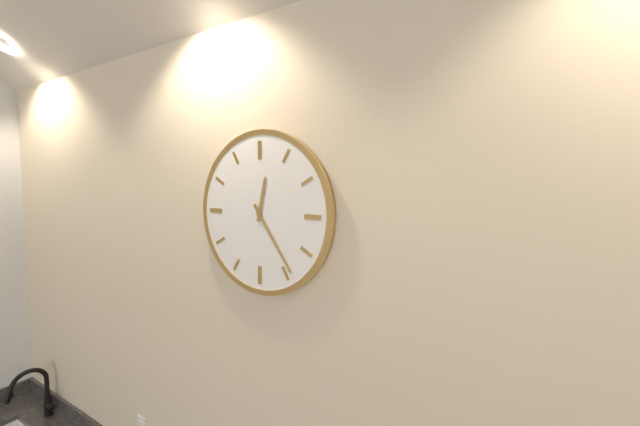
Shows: 12:24
